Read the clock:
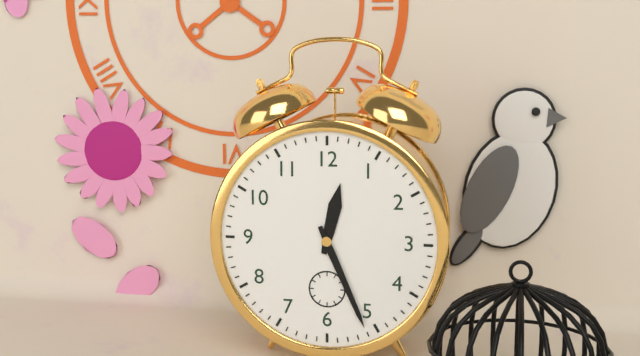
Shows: 12:26
